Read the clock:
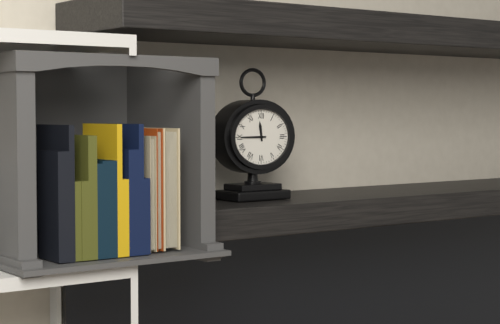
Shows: 11:45
